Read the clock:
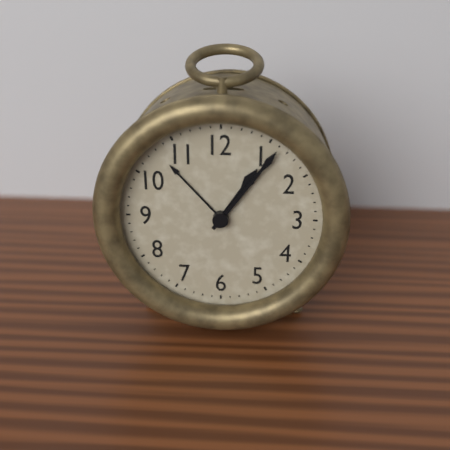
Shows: 1:06
